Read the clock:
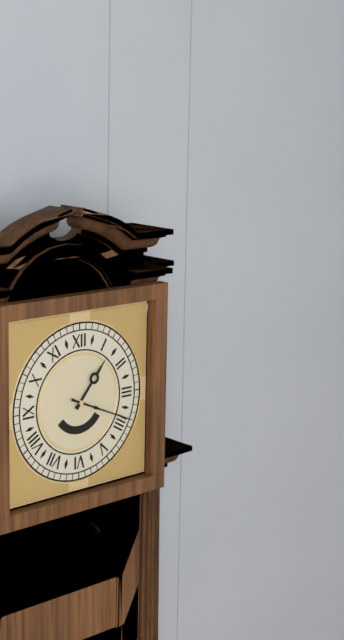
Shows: 1:19
